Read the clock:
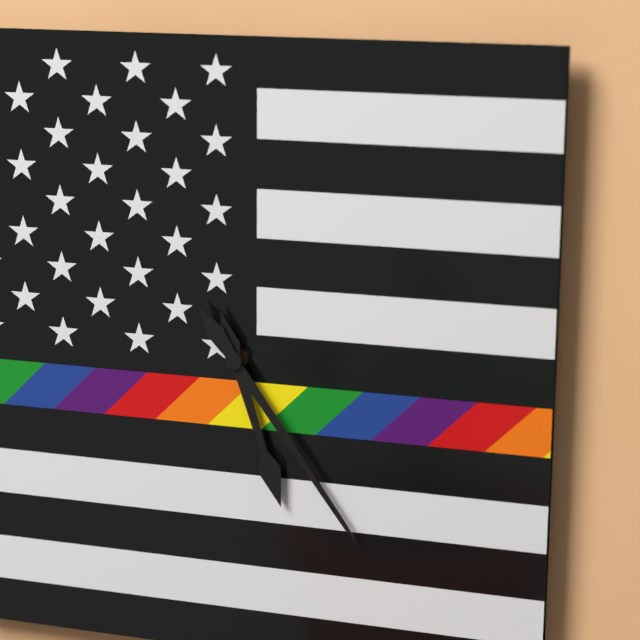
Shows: 5:24
